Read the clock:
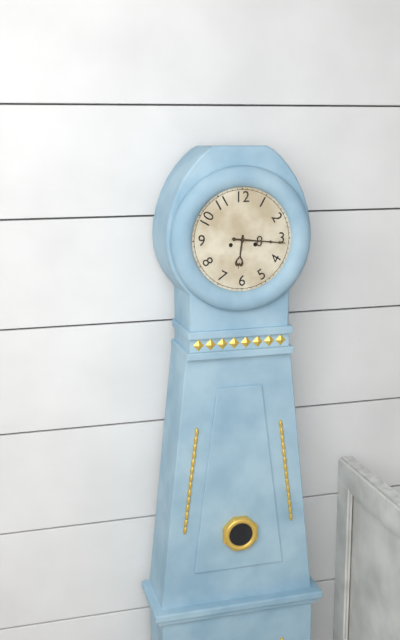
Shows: 6:16
